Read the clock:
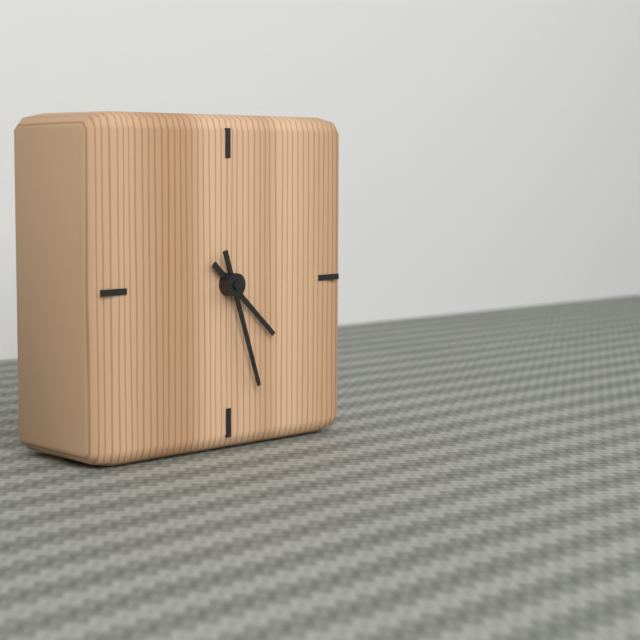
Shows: 4:27
